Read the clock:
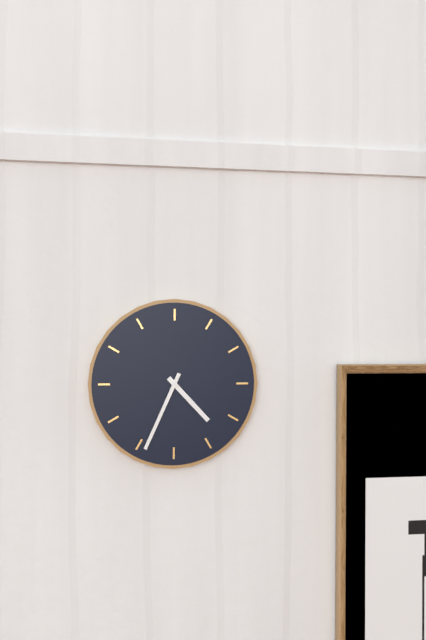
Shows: 4:34
